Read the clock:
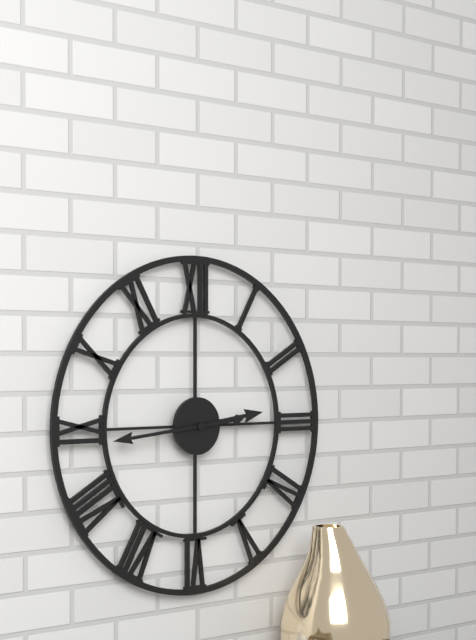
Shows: 2:44
